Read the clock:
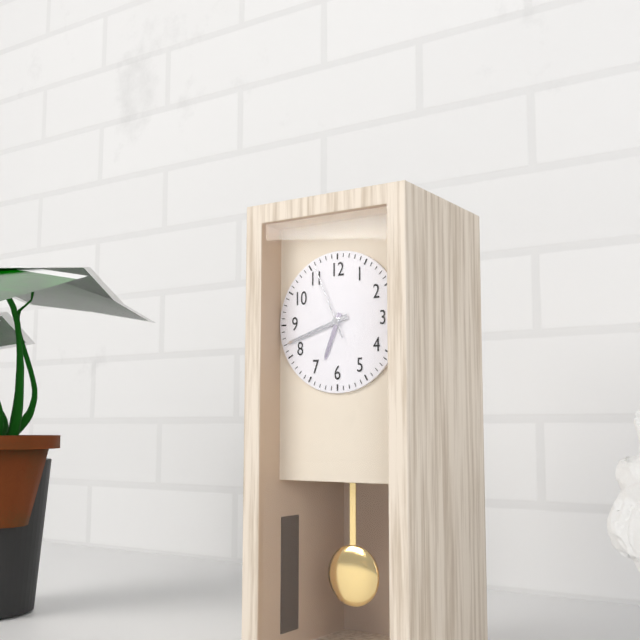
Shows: 6:42:56
